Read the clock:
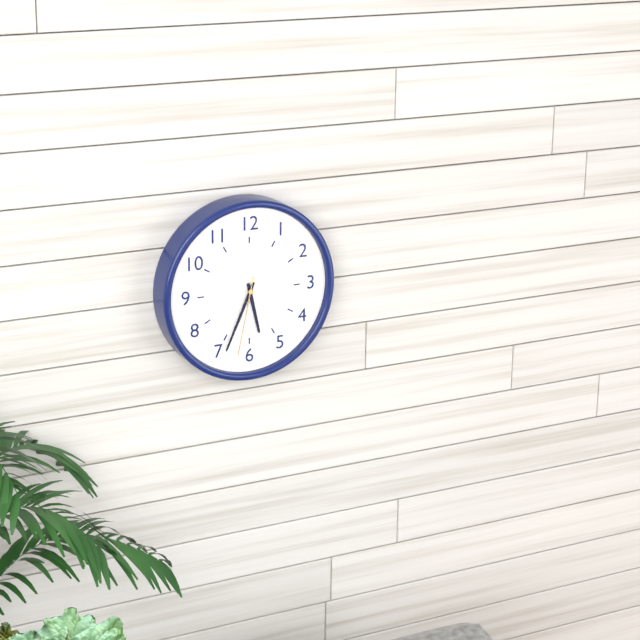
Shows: 5:34:32
